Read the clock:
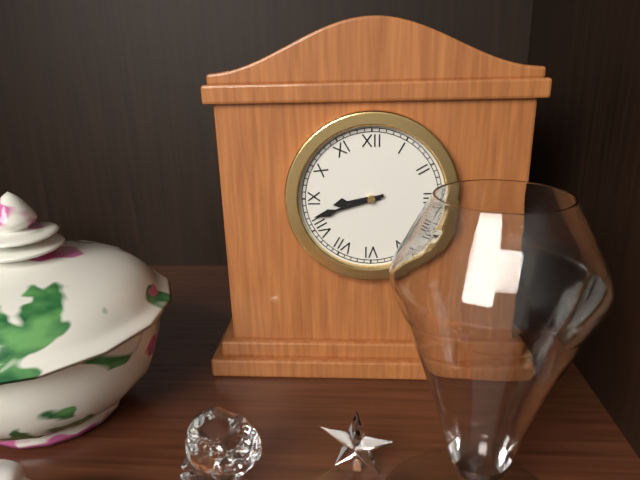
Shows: 8:42
